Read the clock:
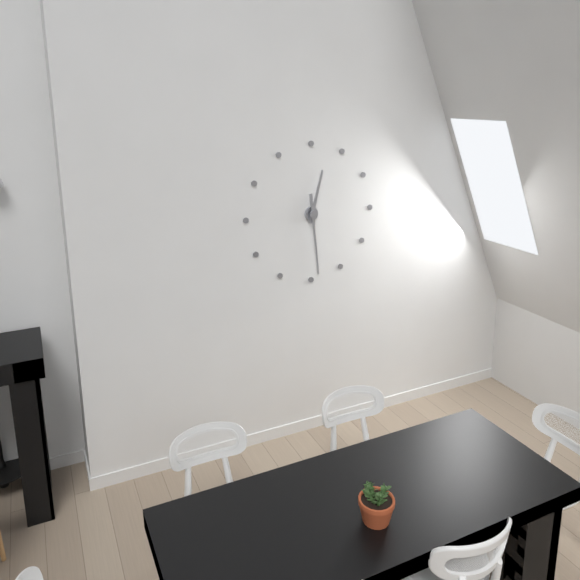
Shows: 12:29
